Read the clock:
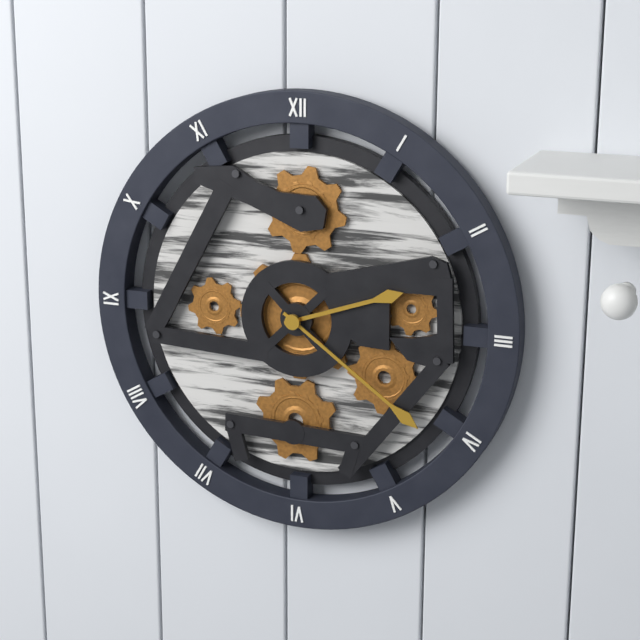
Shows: 2:21
